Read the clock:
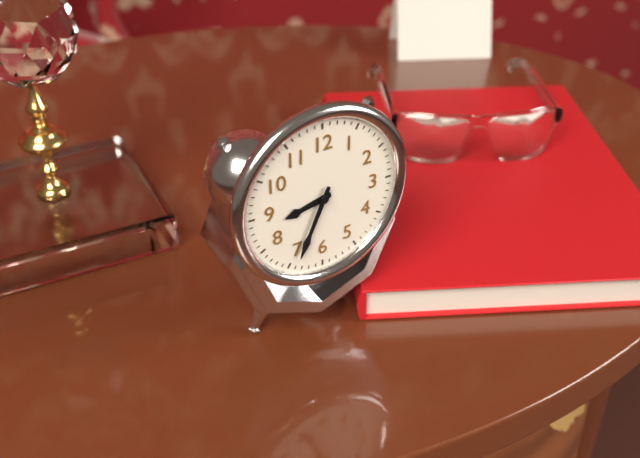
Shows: 8:34
